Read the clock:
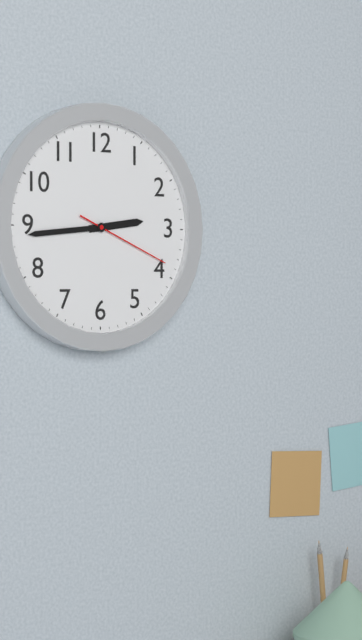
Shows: 2:44:19
